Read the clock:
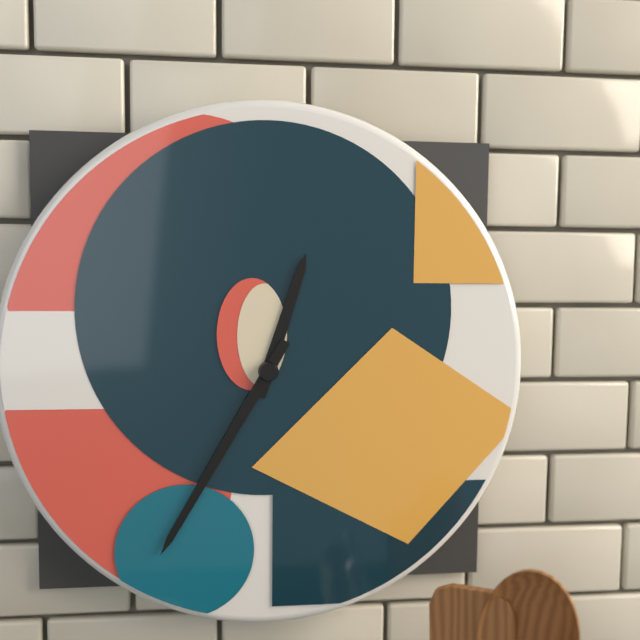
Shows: 12:35
